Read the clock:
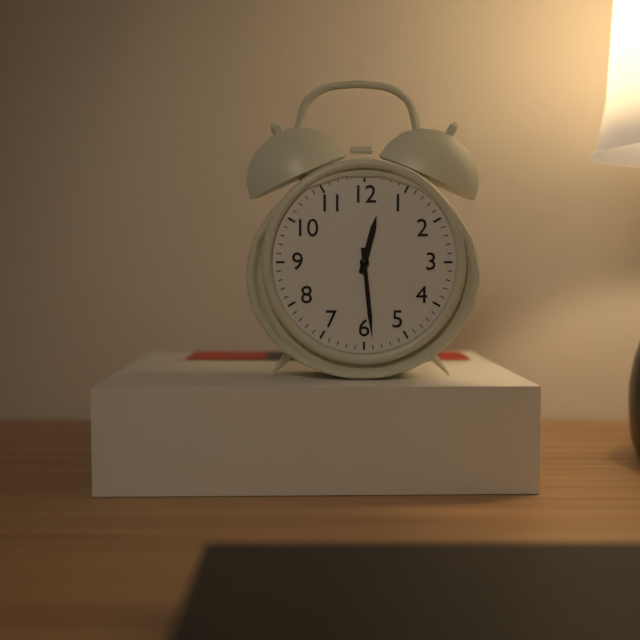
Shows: 12:29
